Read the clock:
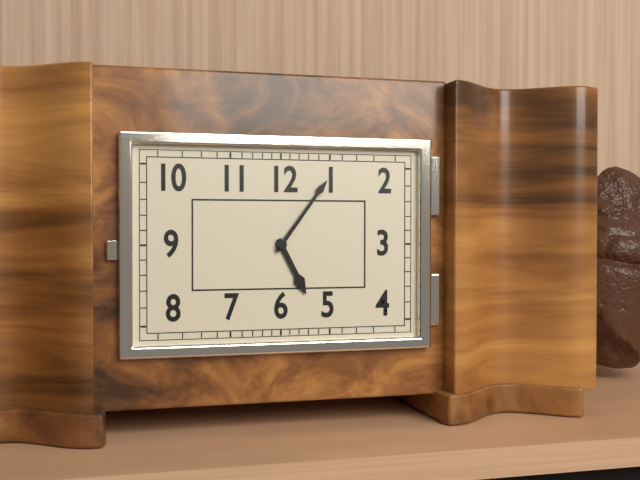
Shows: 5:06
